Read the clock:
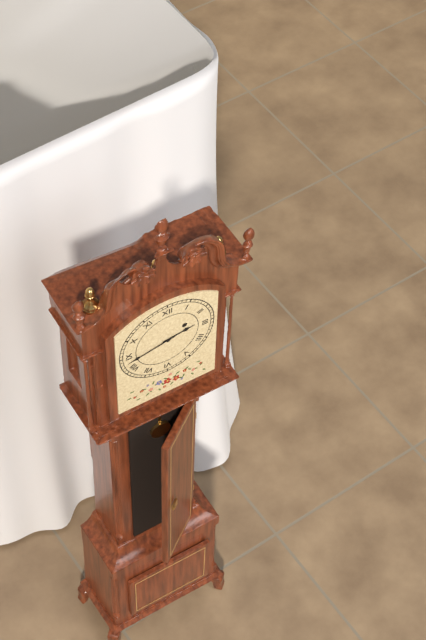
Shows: 2:43
